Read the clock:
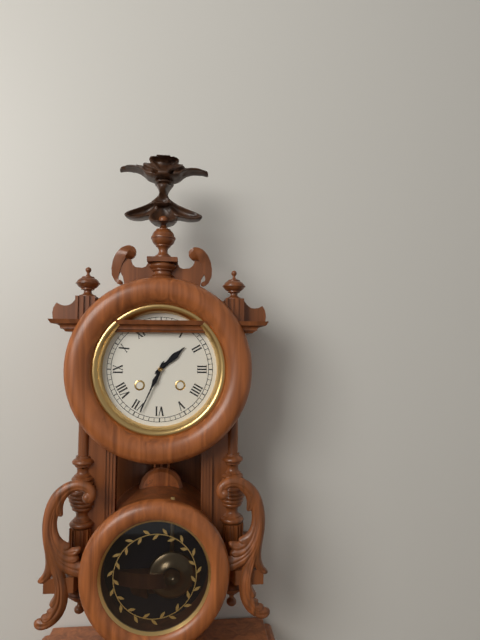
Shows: 1:34
